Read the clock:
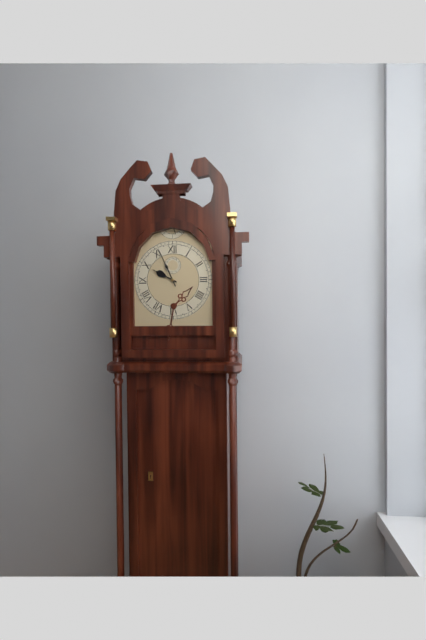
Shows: 9:56
